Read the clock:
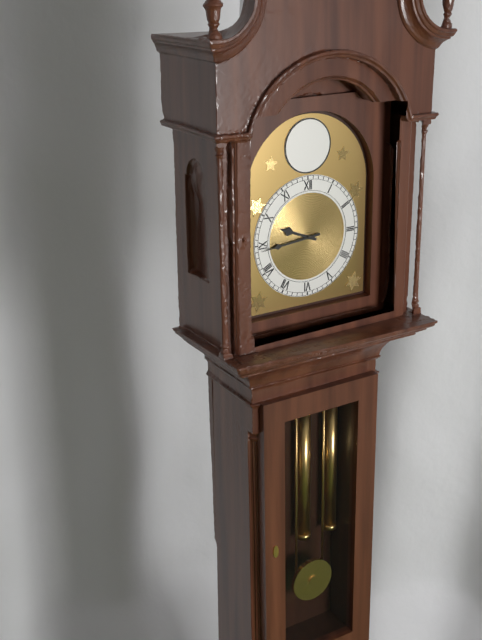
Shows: 9:44
